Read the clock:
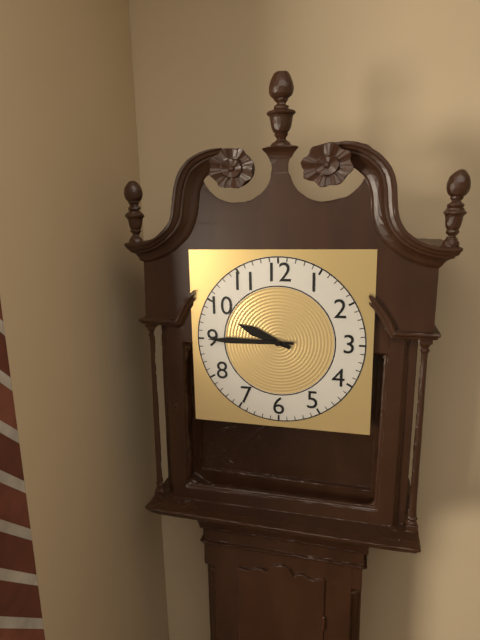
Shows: 9:45
